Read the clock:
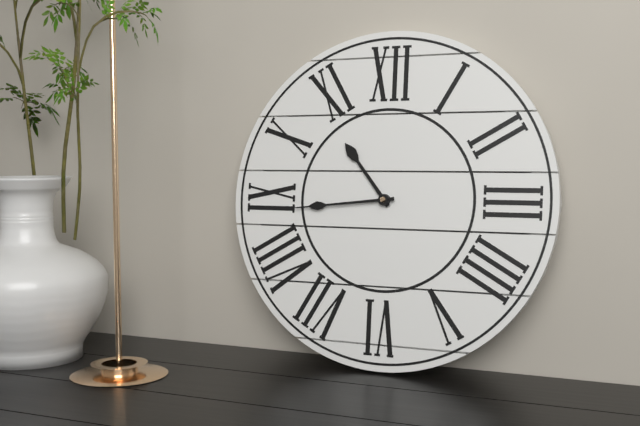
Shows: 10:44
